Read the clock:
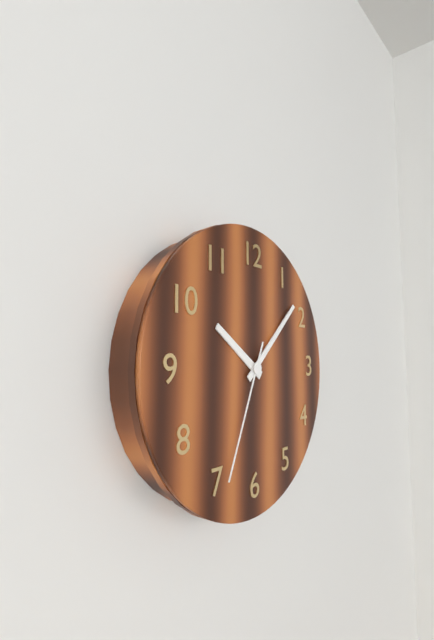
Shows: 10:08:34
